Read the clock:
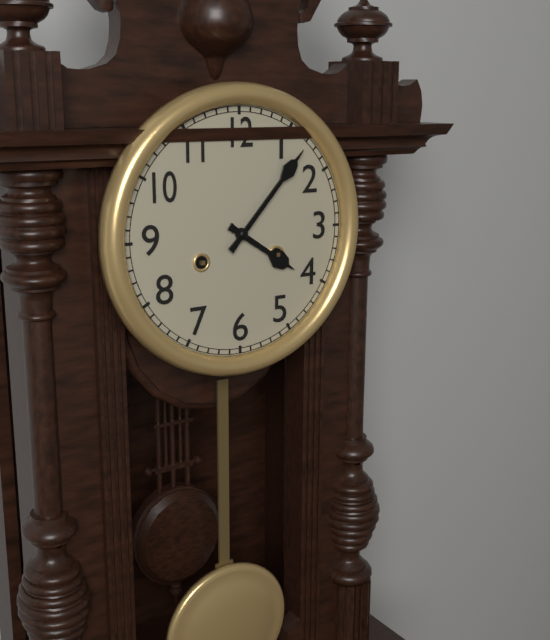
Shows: 4:07
